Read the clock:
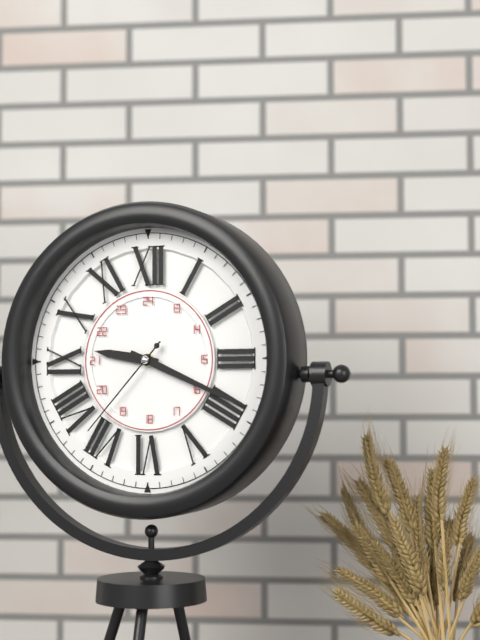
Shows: 9:19:37
